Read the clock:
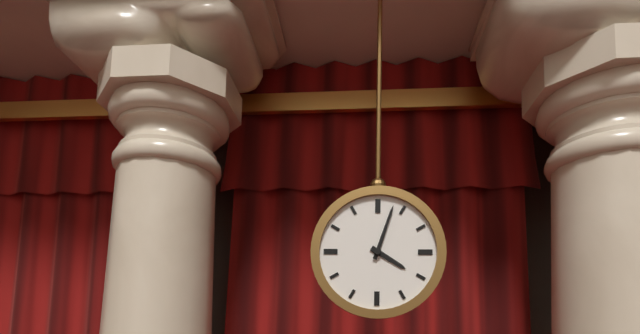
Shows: 4:03
